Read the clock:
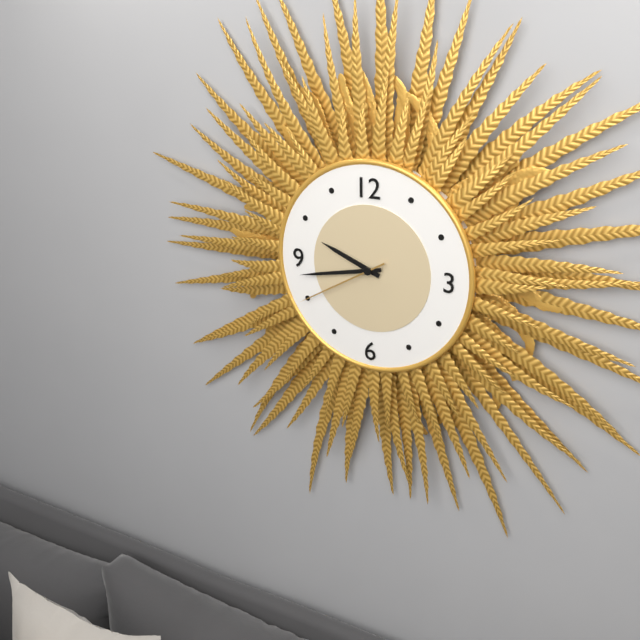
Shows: 9:43:40
